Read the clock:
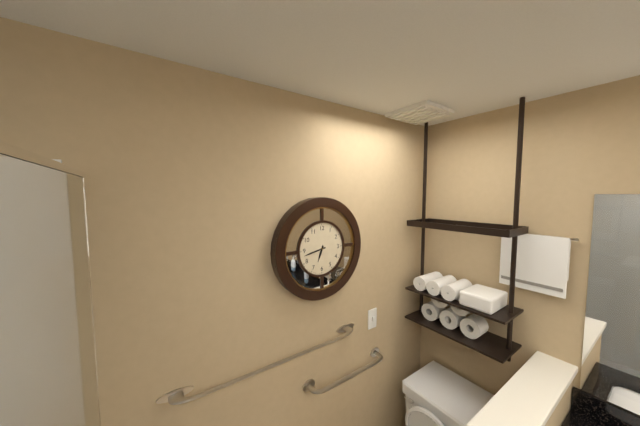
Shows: 6:43
